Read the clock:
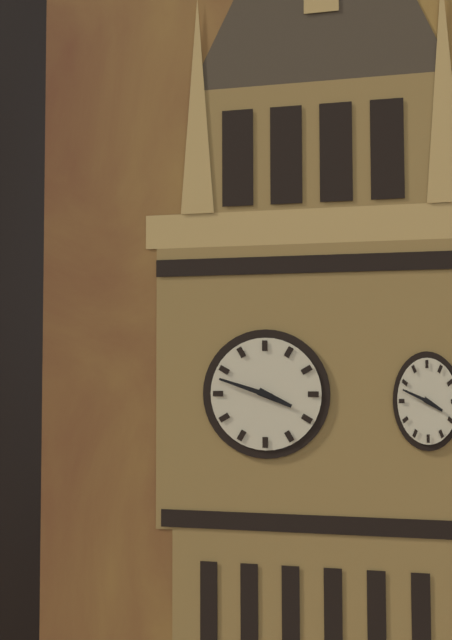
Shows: 3:48
